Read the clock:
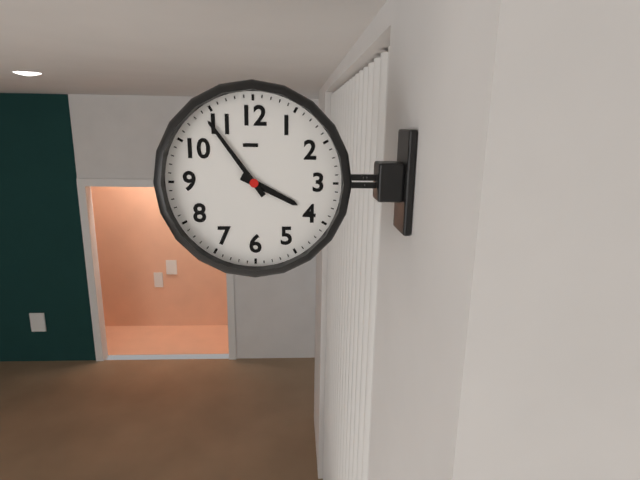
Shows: 3:54
